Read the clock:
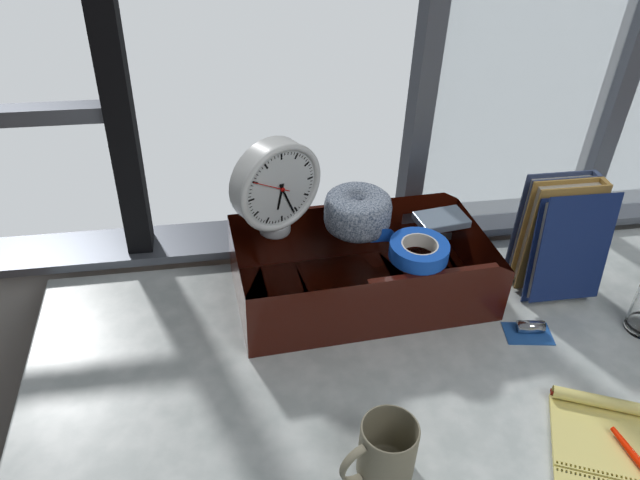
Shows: 6:26
